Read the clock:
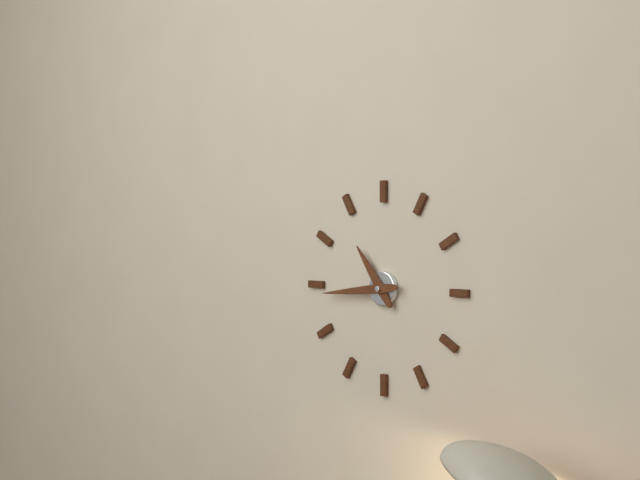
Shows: 10:44
